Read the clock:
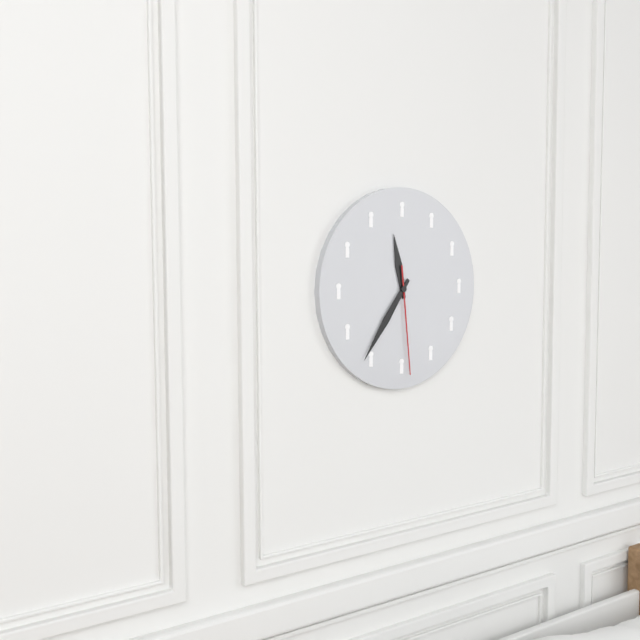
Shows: 11:36:29
